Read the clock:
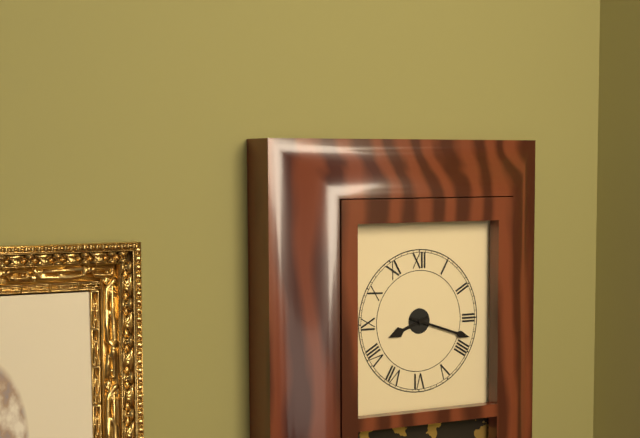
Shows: 8:18
